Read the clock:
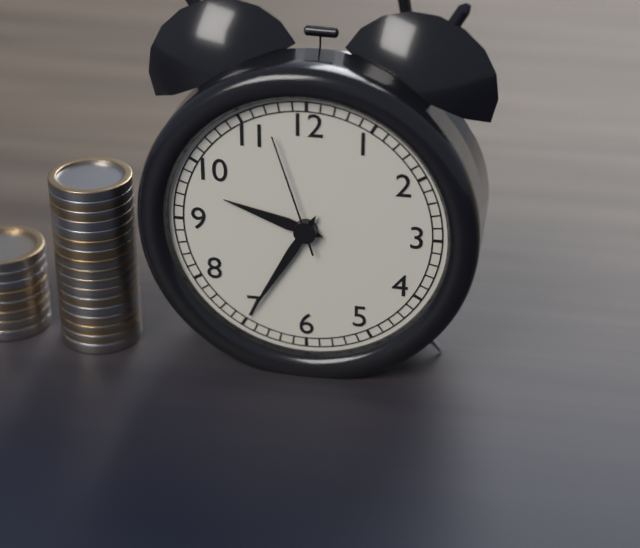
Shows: 9:35:57
